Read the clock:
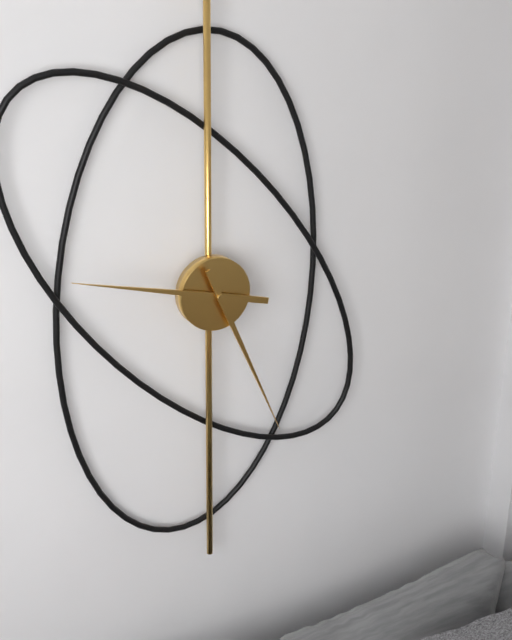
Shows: 9:26
